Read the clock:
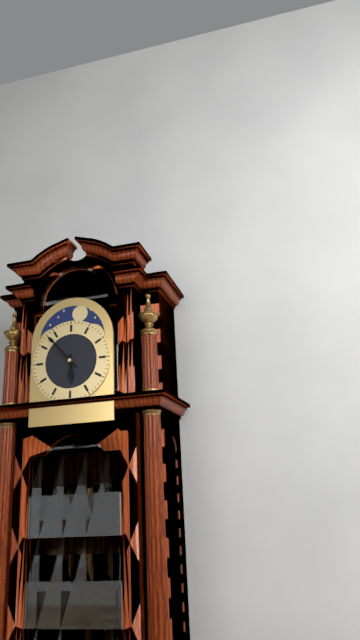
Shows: 5:53
